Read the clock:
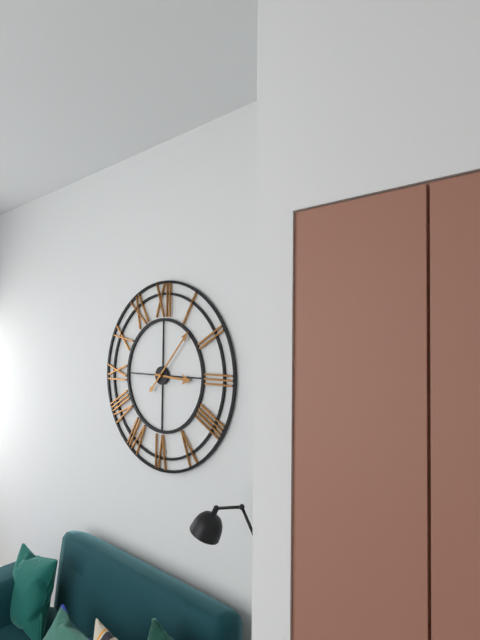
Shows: 3:07
